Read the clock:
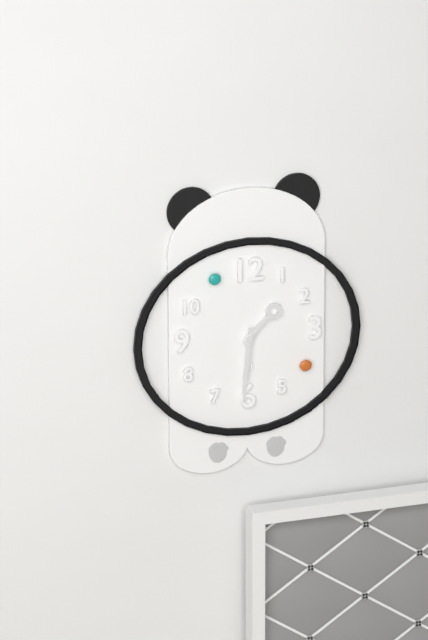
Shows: 1:31
